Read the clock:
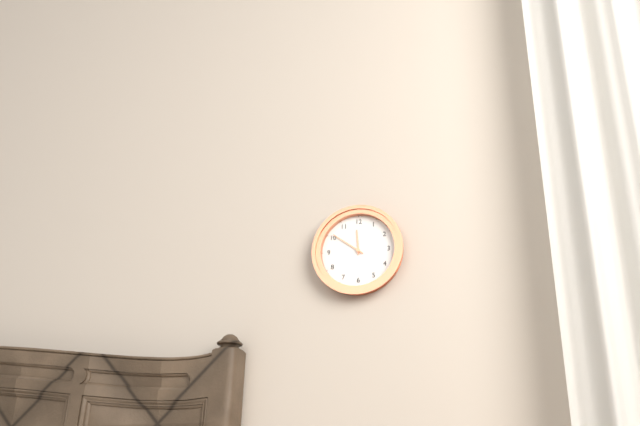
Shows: 11:51
